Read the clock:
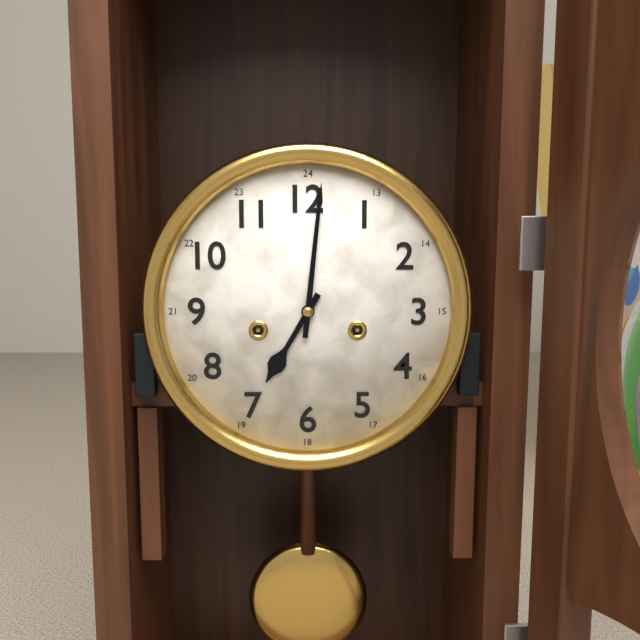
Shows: 7:01
